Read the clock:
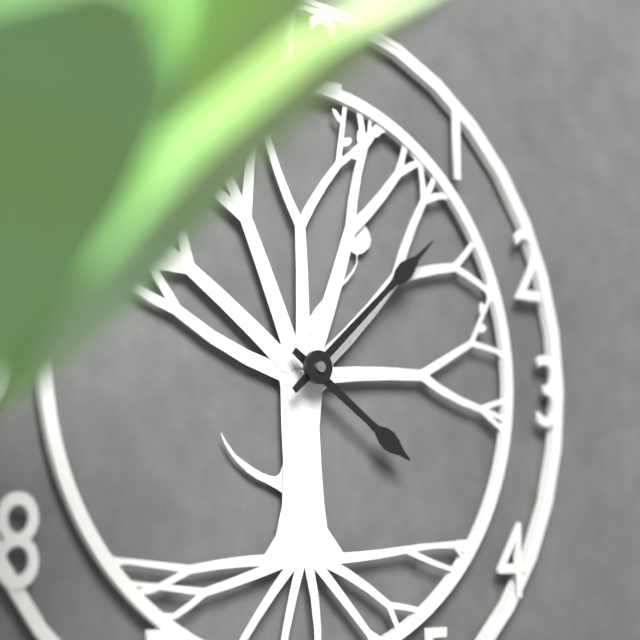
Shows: 4:08
